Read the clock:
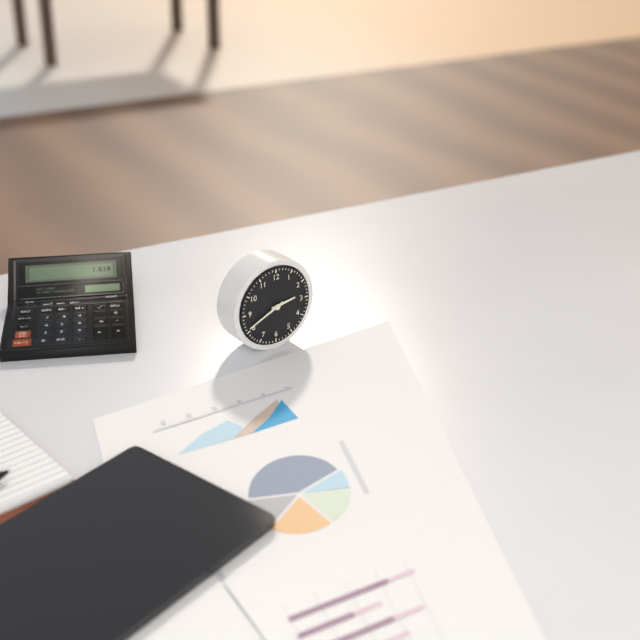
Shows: 2:41
